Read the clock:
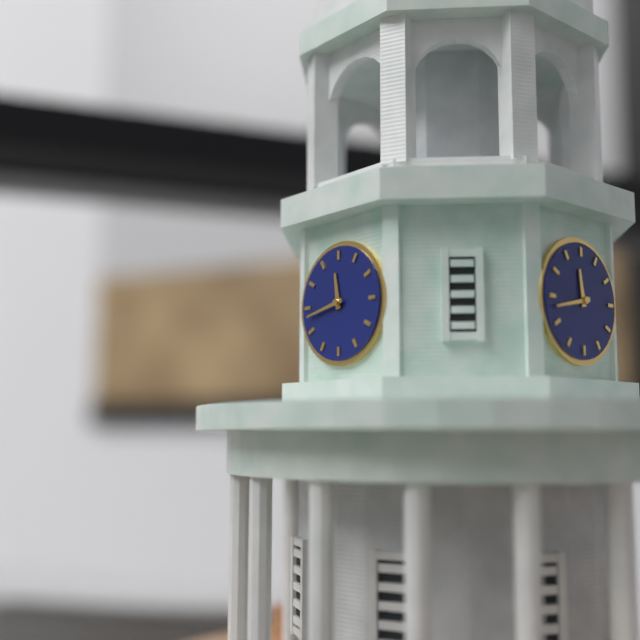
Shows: 11:43
